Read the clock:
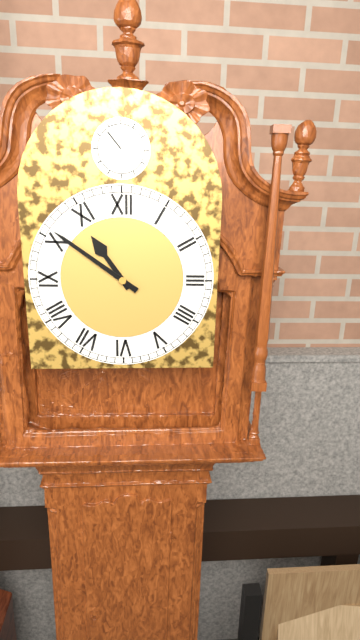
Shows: 10:51
